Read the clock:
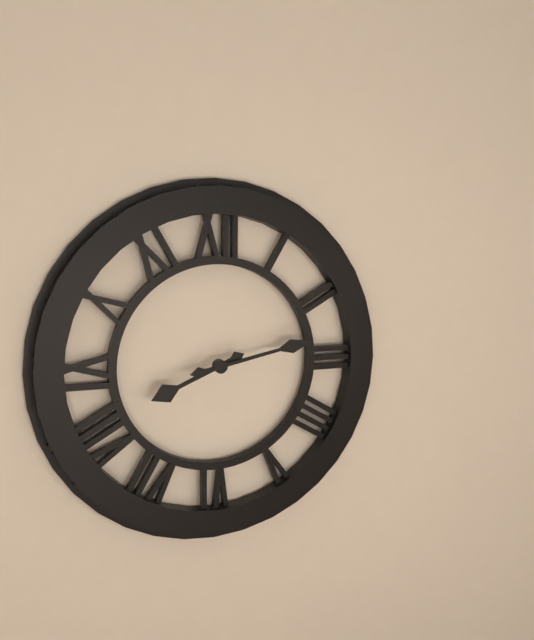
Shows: 8:13
